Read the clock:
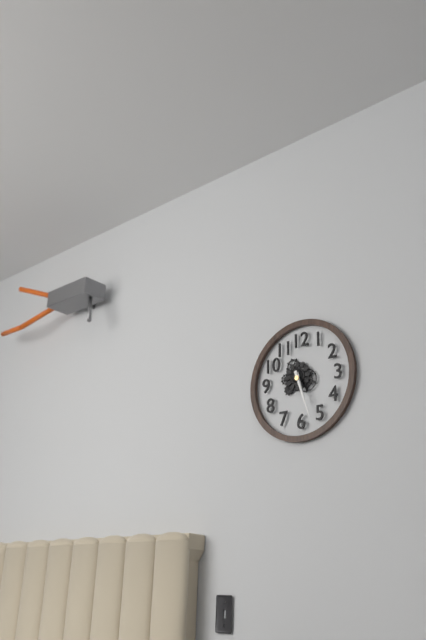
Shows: 5:27
